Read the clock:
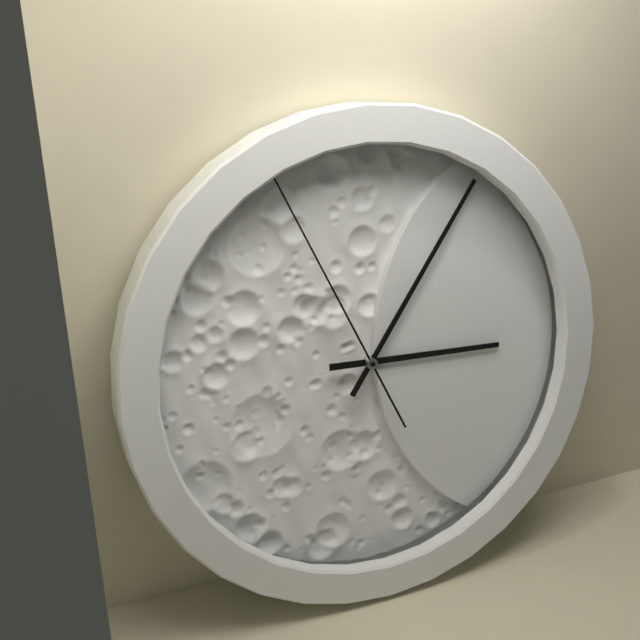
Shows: 3:06:56
